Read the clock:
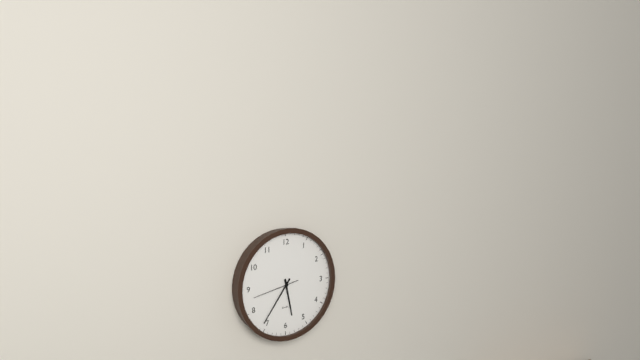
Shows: 5:36
